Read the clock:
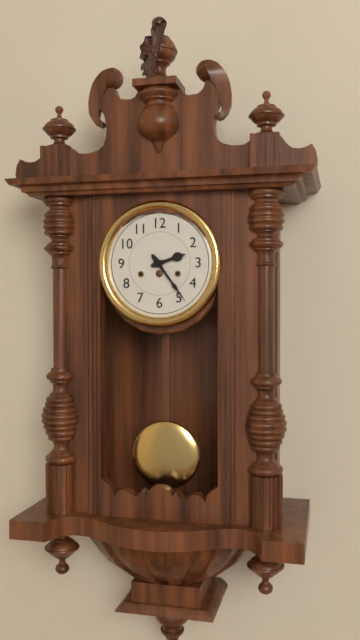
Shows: 2:24
